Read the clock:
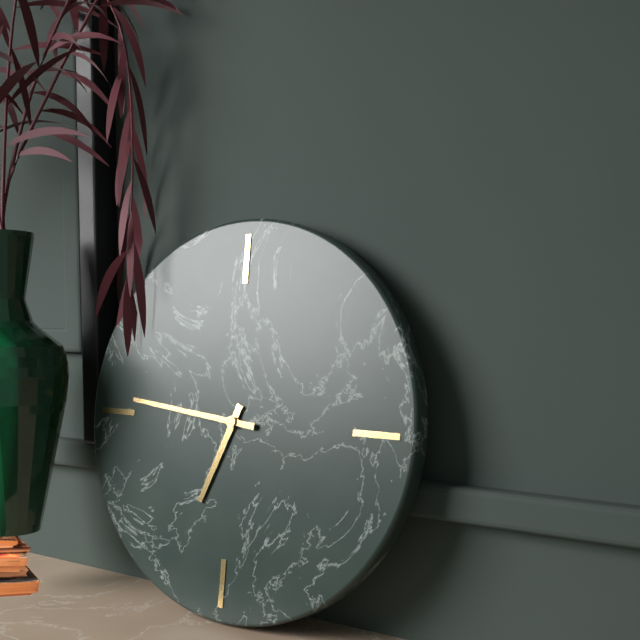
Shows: 6:46
